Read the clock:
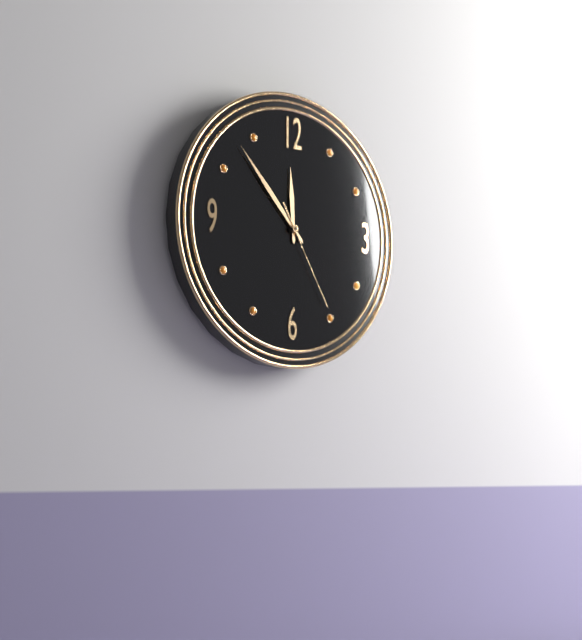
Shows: 11:53:25
